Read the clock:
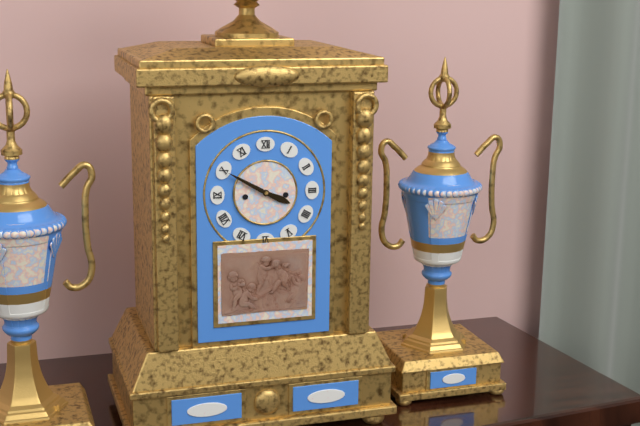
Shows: 3:50
